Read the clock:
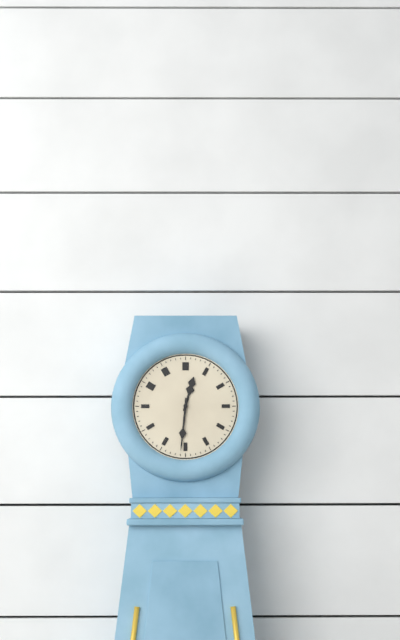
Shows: 12:31
